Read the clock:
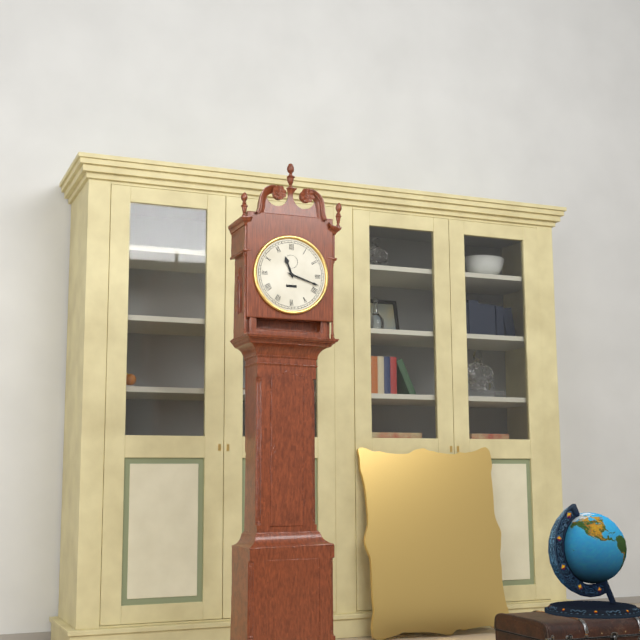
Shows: 11:18
